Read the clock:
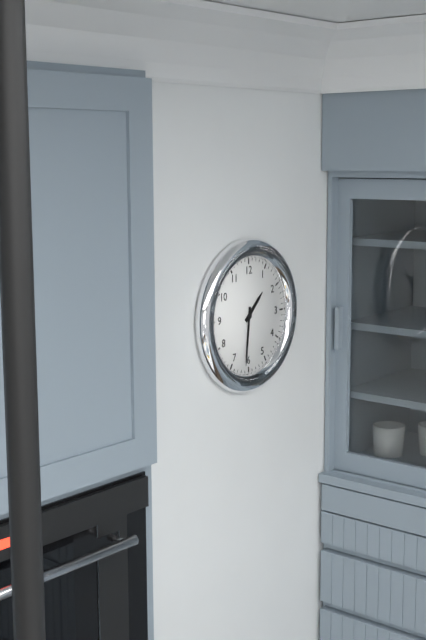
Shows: 1:31
